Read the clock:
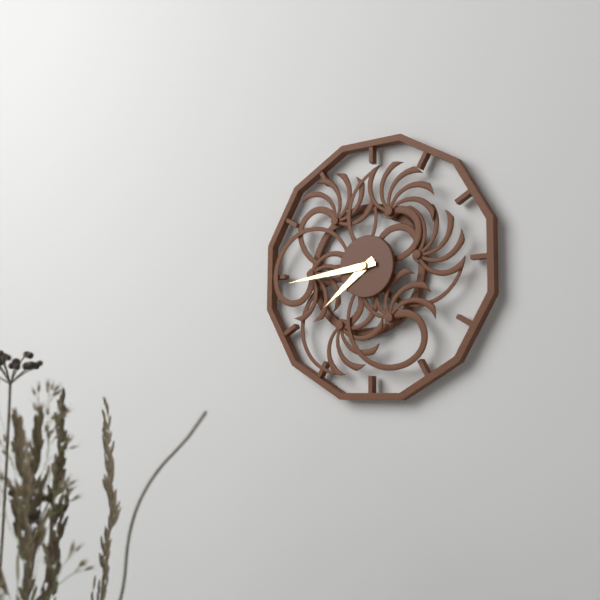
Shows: 7:44
